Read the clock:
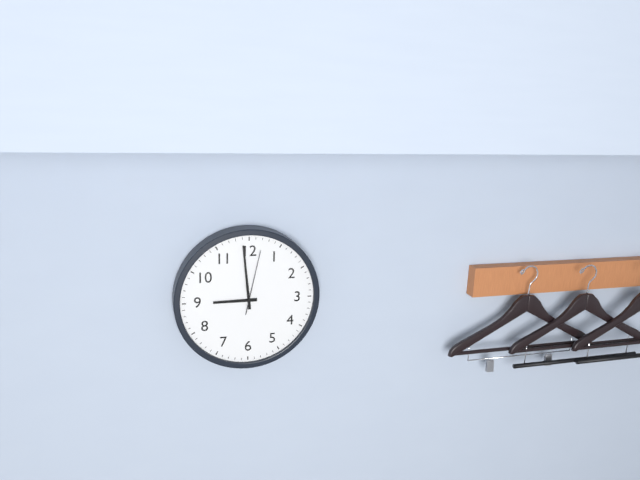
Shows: 8:59:02
